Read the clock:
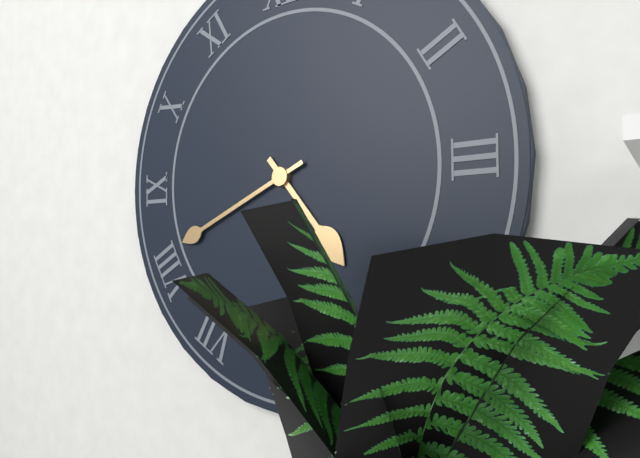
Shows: 4:41
